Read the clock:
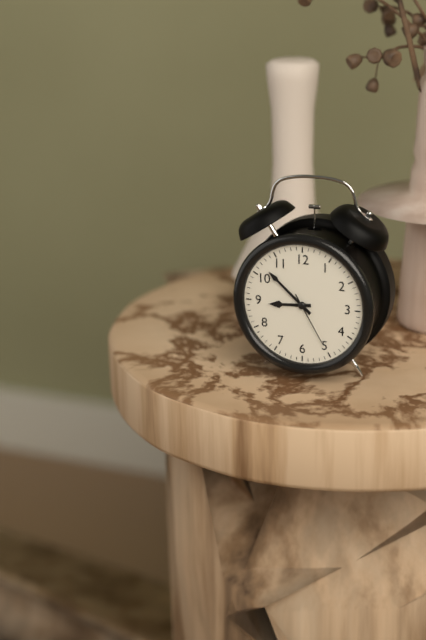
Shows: 8:52:25
